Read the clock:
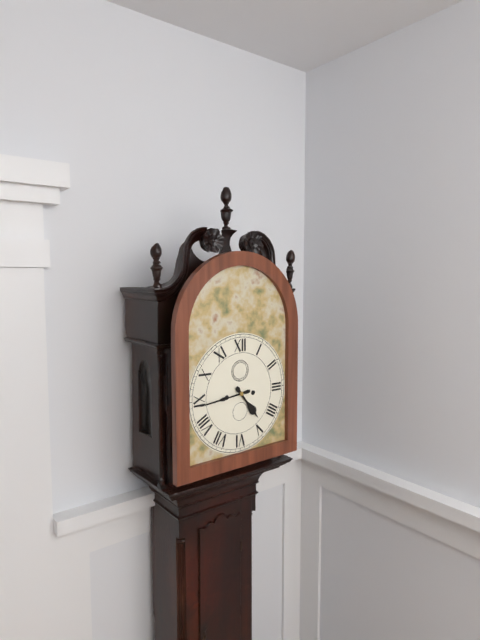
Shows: 4:44
